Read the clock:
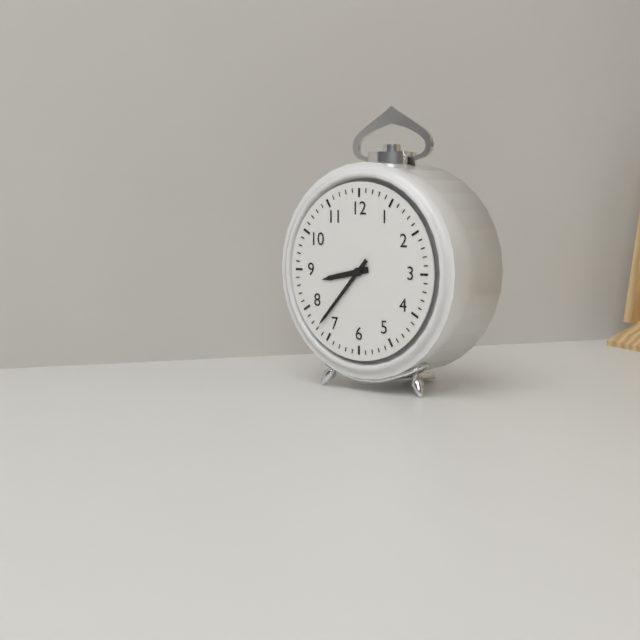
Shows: 8:37
